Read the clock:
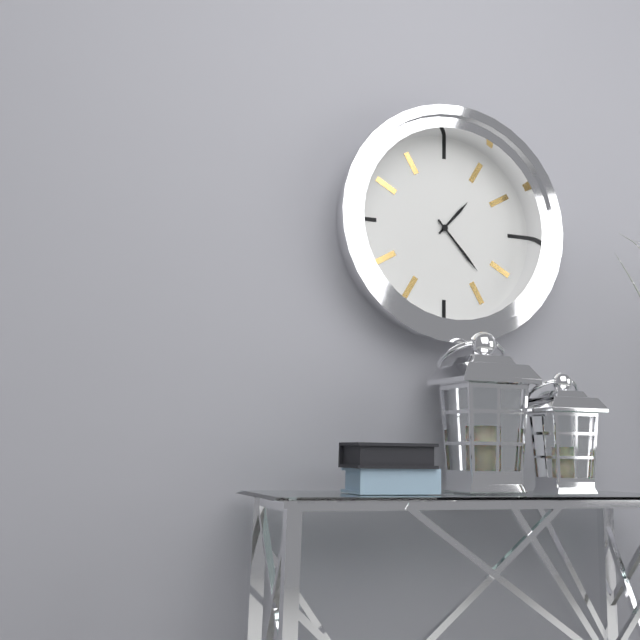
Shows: 1:23
